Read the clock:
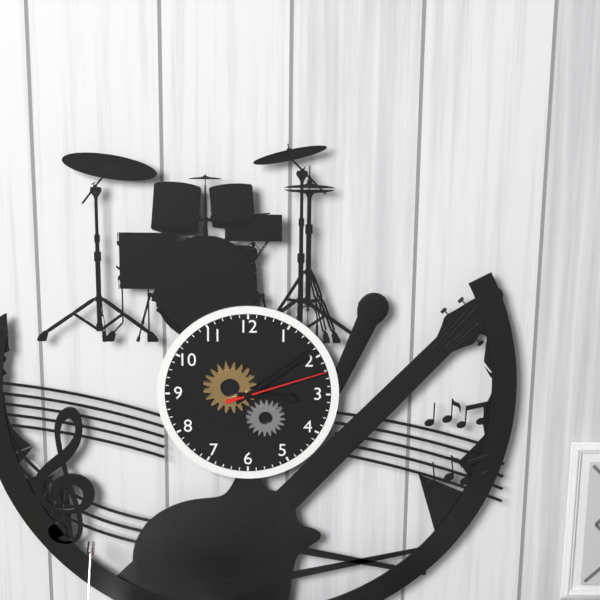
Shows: 3:09:12
